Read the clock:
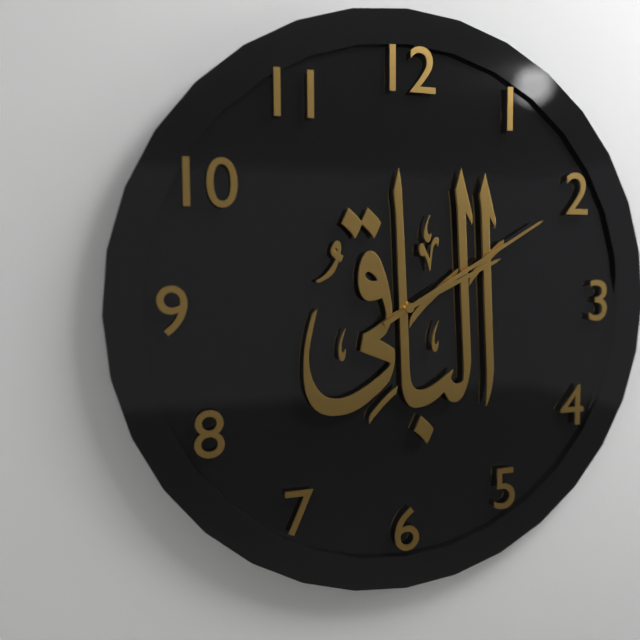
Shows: 2:10
